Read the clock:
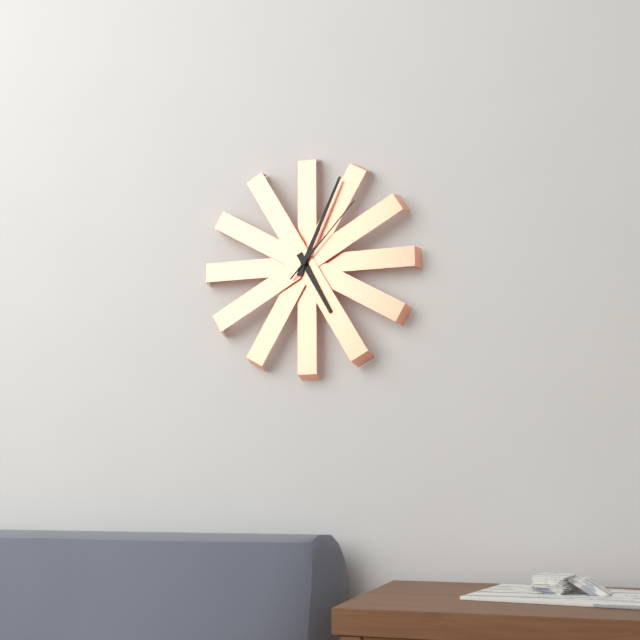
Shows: 5:04:07
